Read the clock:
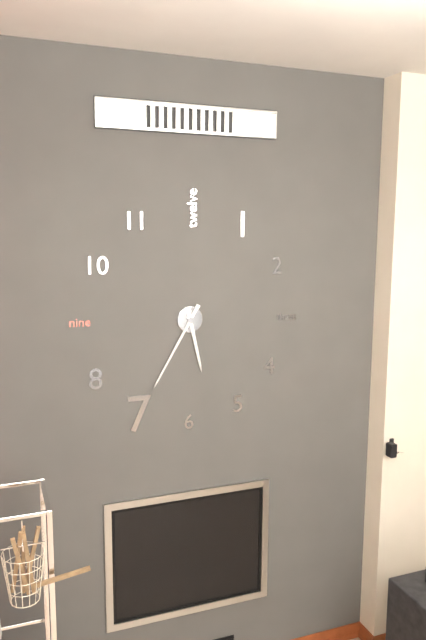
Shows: 5:35
